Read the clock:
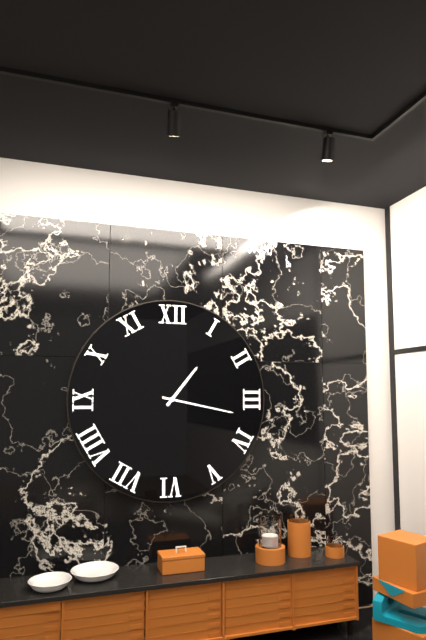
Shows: 1:17
